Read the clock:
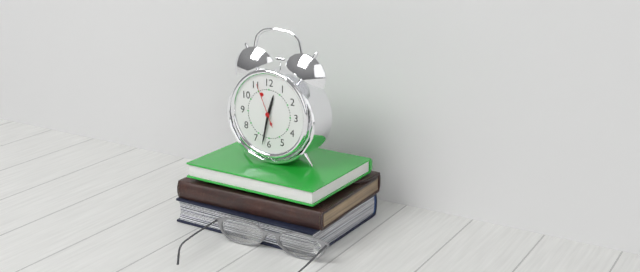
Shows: 12:32
